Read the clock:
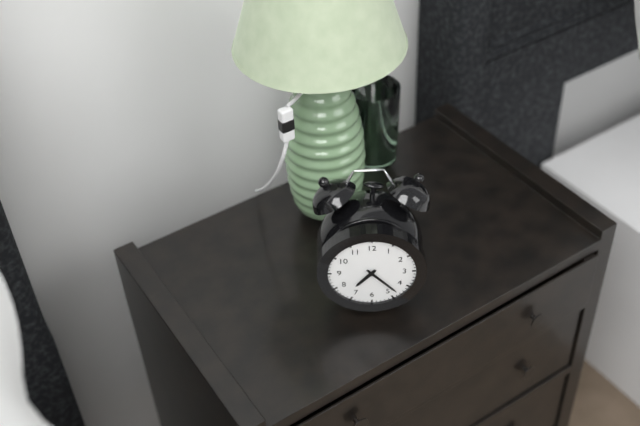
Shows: 7:23
